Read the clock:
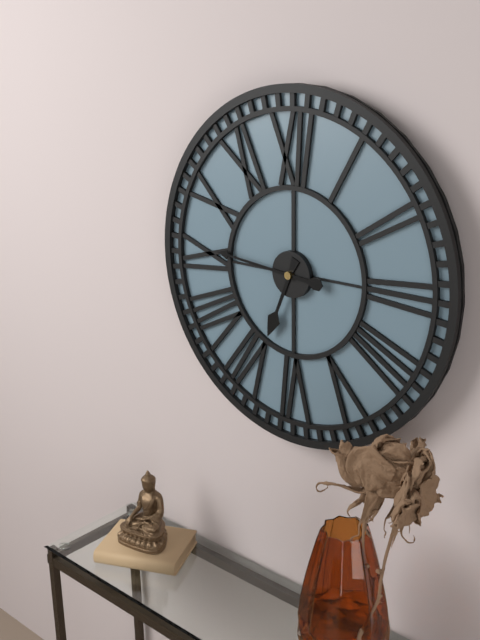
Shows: 6:46
